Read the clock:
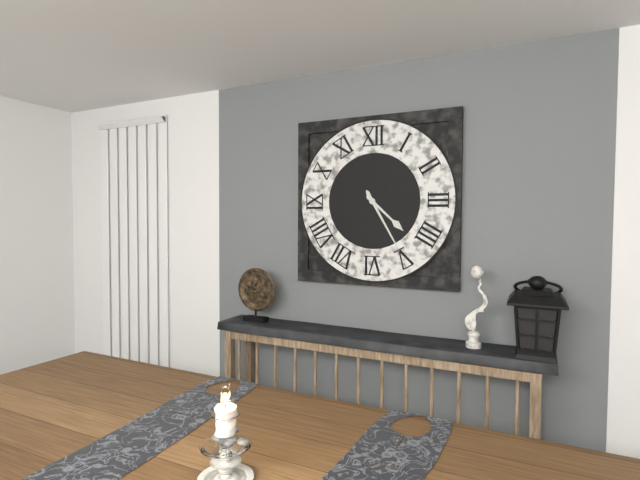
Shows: 4:25
